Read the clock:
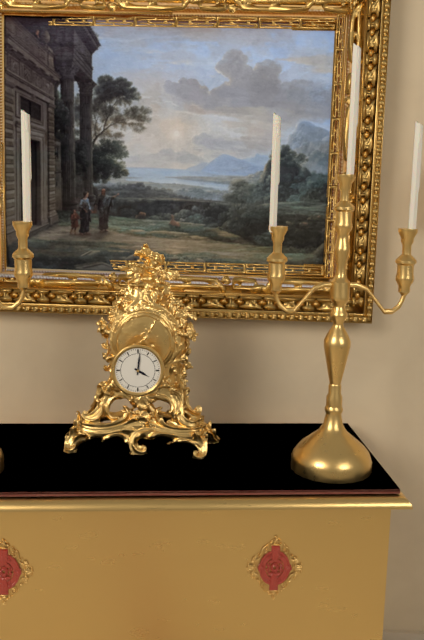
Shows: 4:01
